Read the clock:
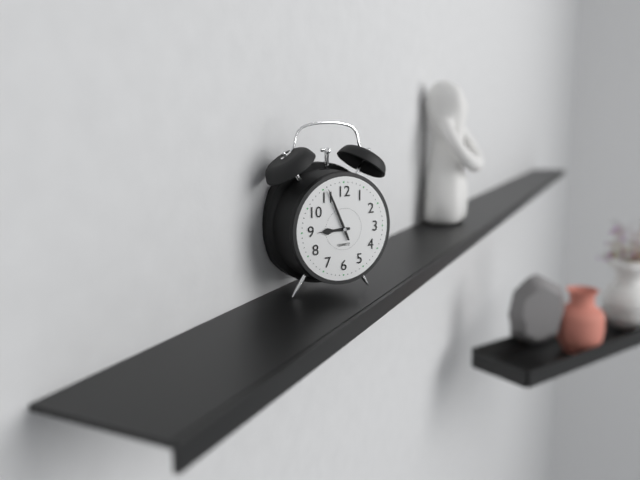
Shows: 8:56
